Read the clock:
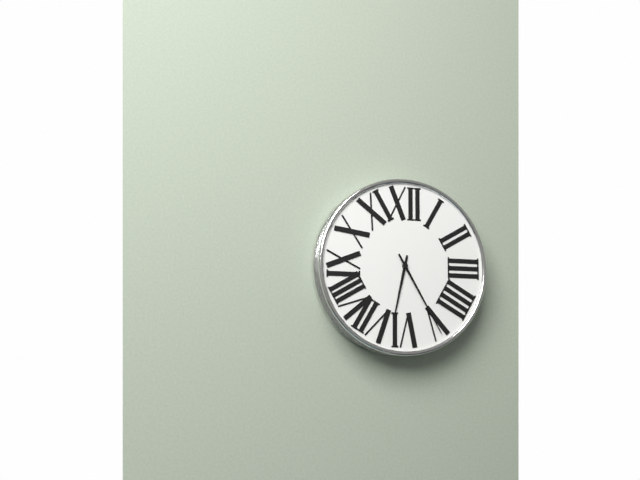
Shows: 6:25
